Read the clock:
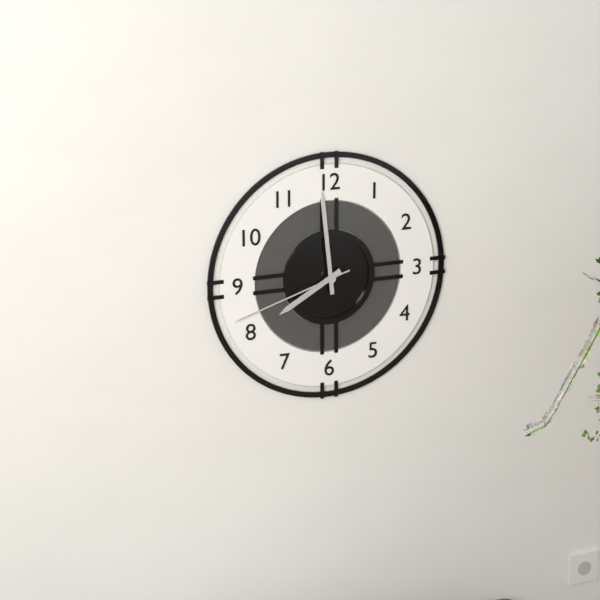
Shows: 7:59:42
